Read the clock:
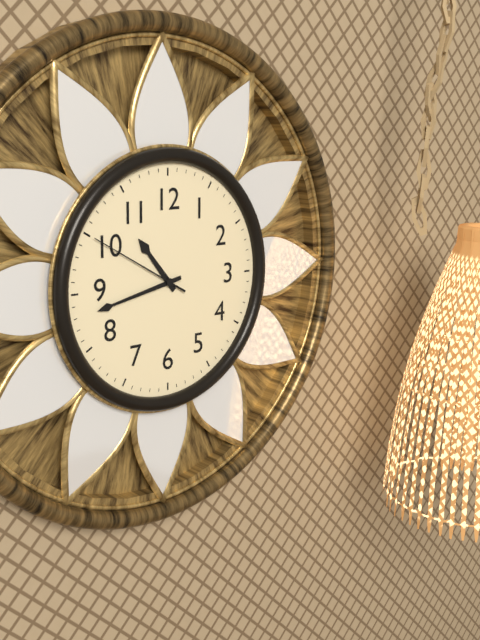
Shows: 10:43:50
